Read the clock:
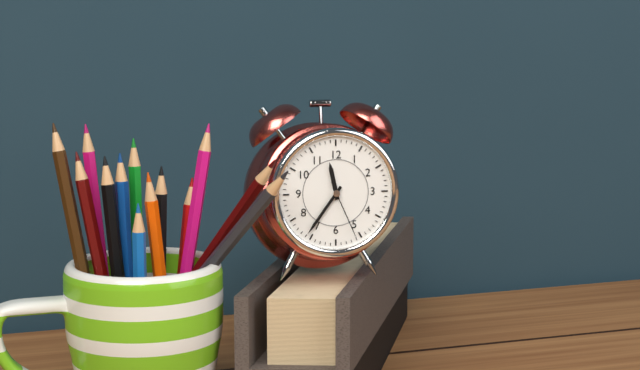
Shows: 11:36:26
